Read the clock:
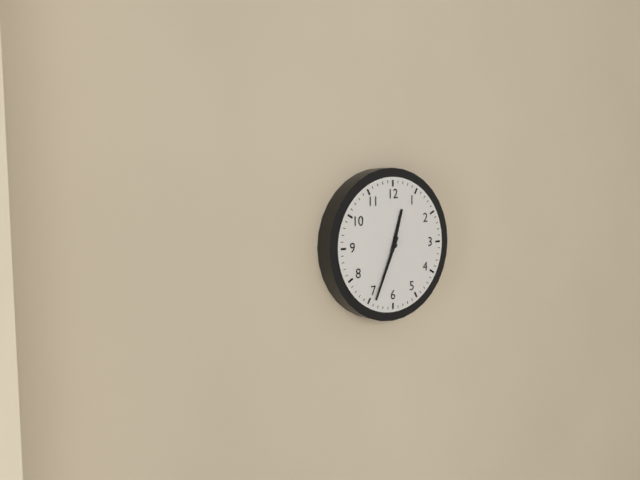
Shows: 12:34
